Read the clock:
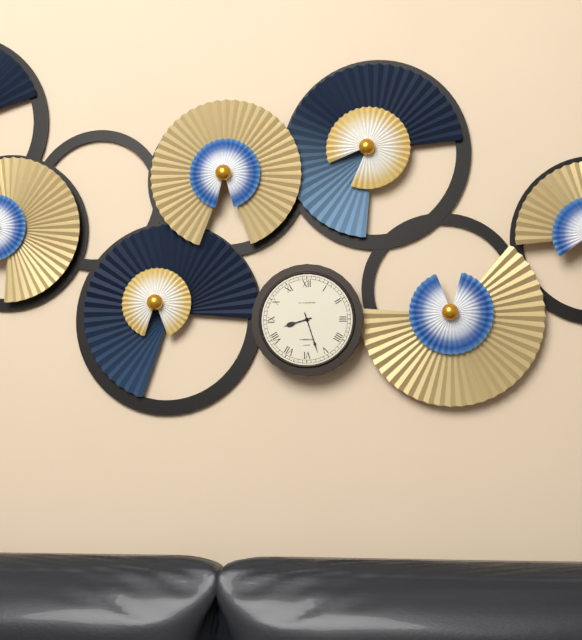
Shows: 8:27
